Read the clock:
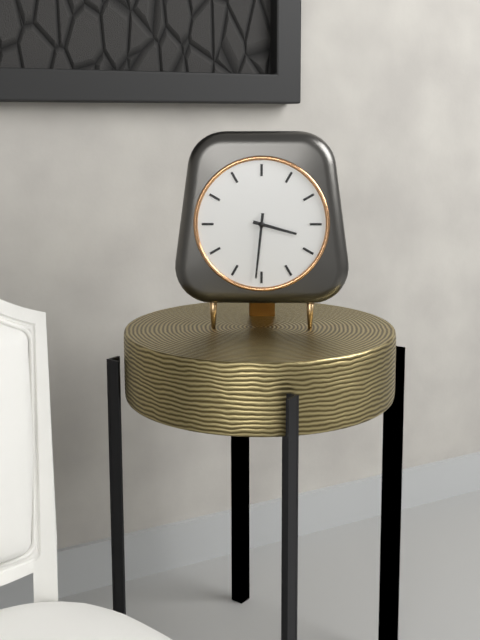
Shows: 3:31
